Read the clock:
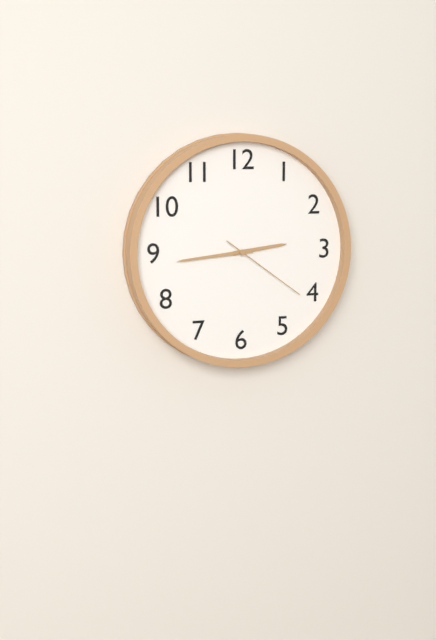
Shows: 2:44:21
